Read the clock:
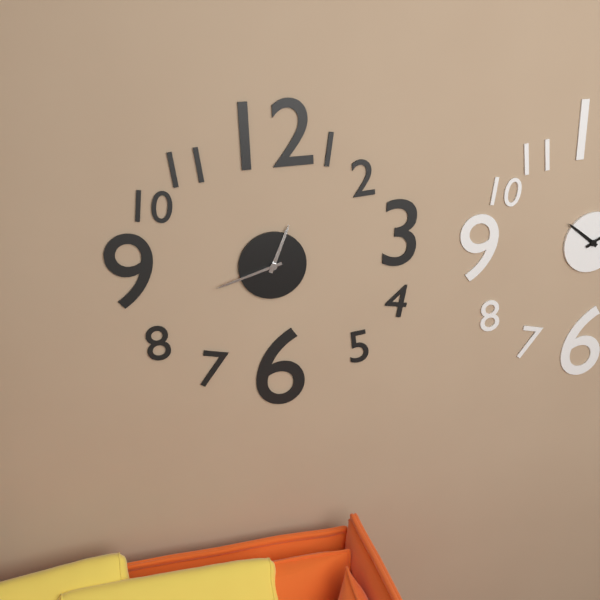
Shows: 12:42
